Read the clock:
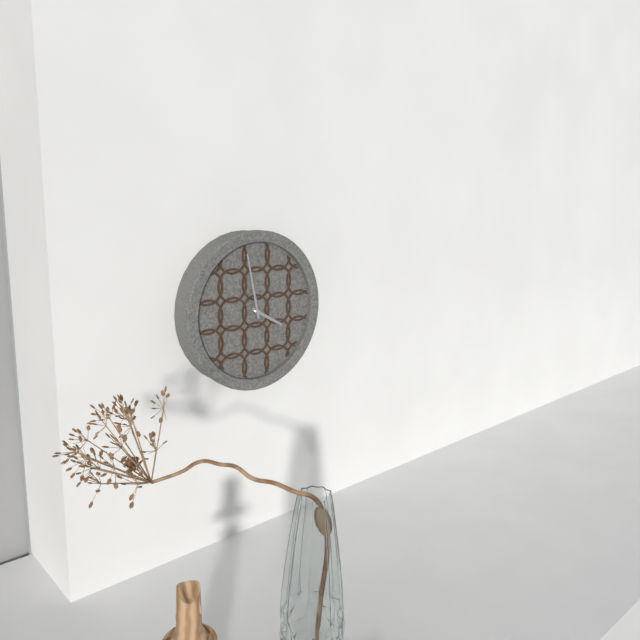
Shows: 3:58
